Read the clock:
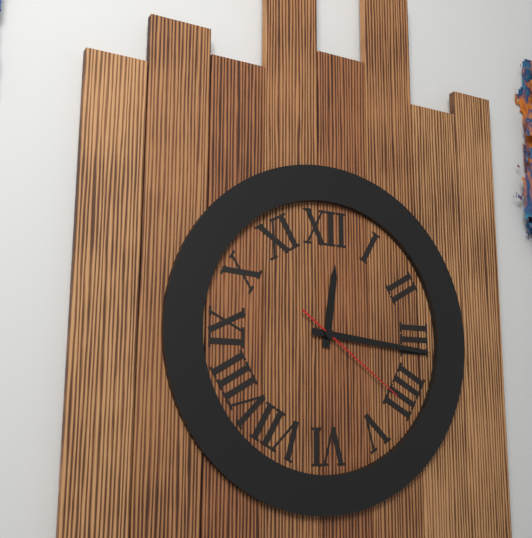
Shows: 12:16:21
